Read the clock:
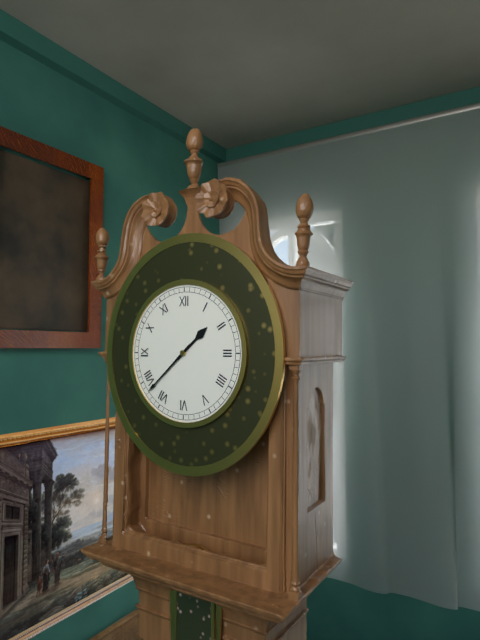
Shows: 1:38
